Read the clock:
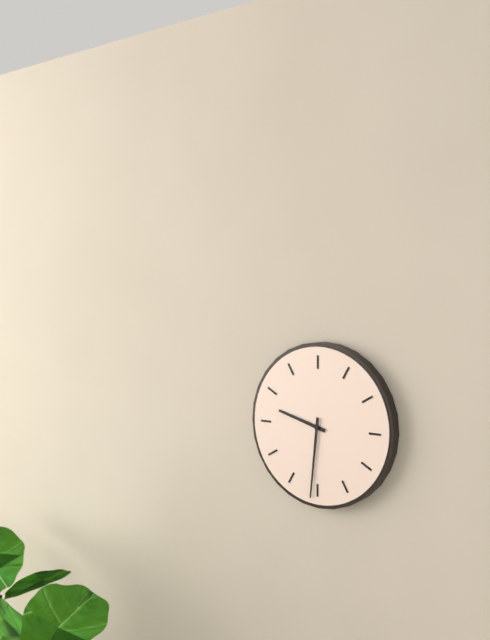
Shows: 9:31
